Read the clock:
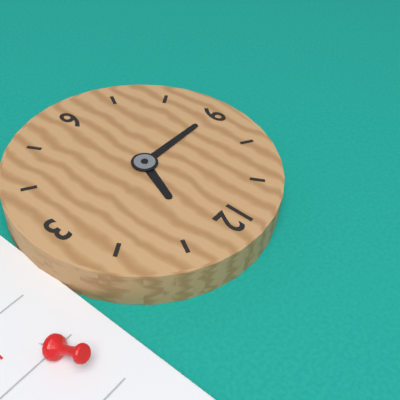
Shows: 12:45
